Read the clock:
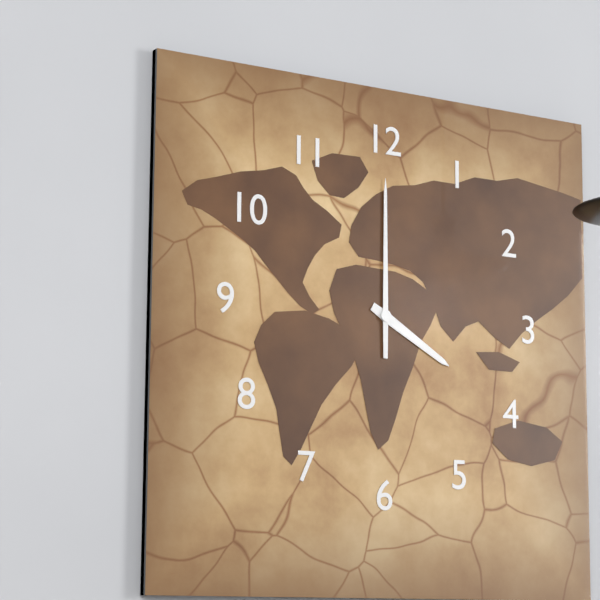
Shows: 4:00
